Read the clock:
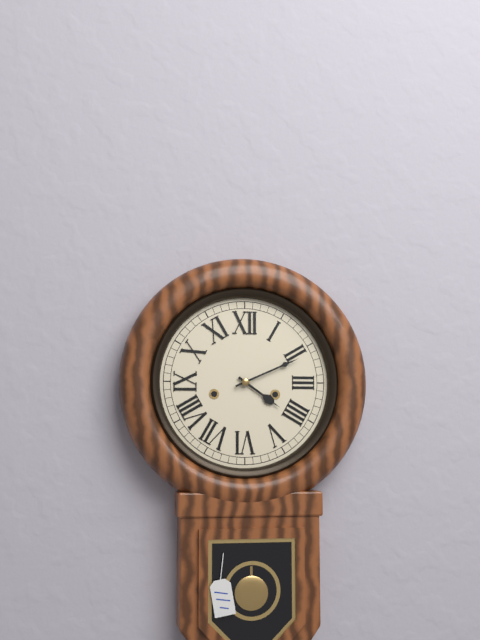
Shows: 4:11
